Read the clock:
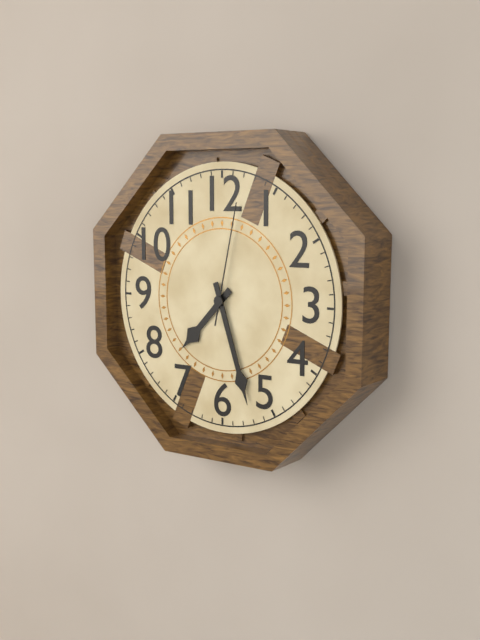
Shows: 7:27:02
